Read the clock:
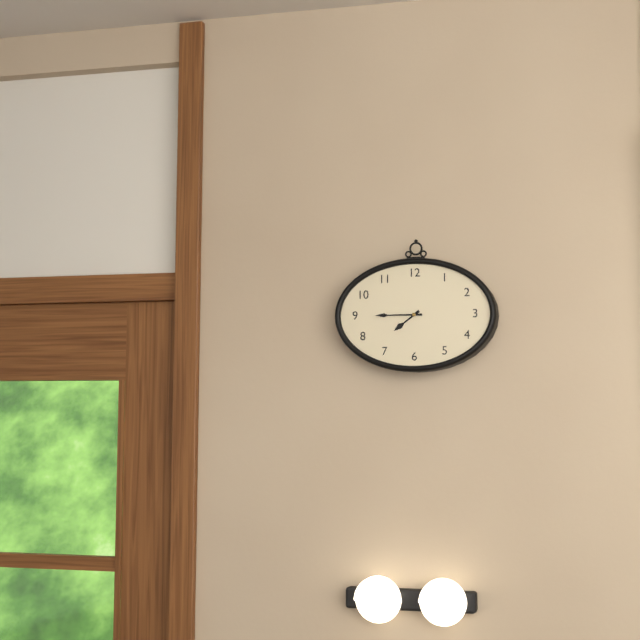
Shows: 7:45
